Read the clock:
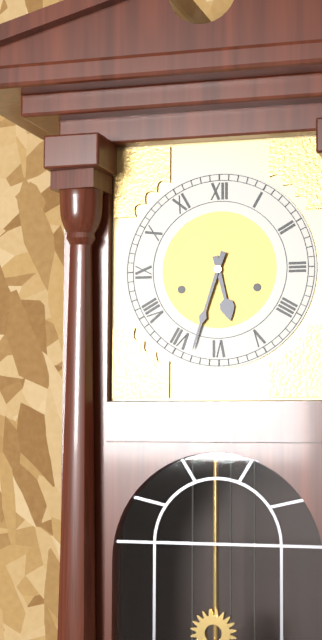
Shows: 5:33
